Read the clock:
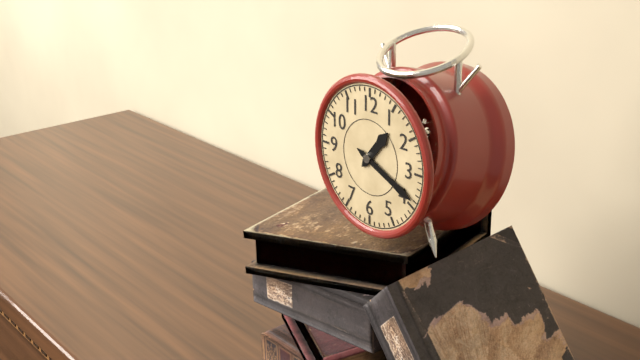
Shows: 1:19
